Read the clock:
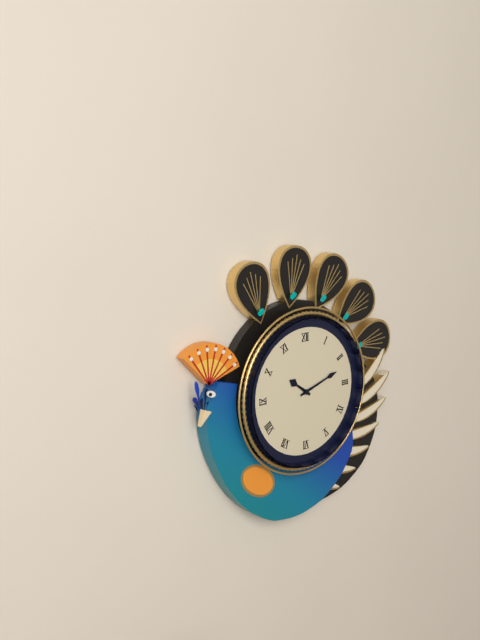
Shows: 10:12
